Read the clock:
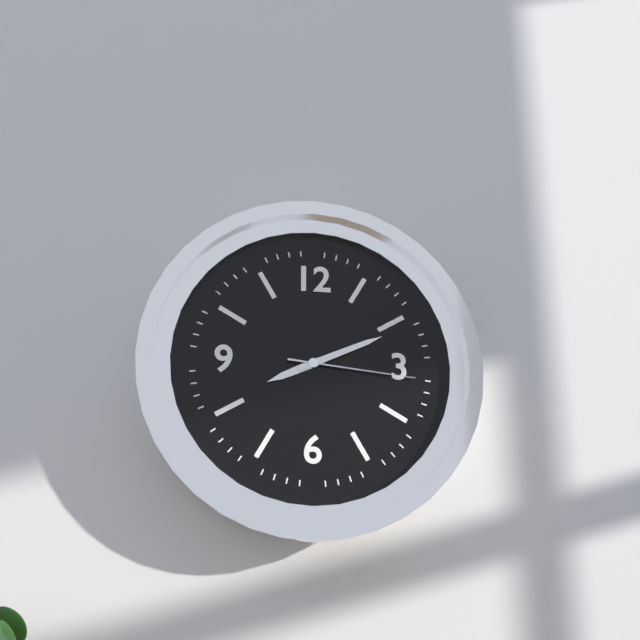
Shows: 8:11:16
